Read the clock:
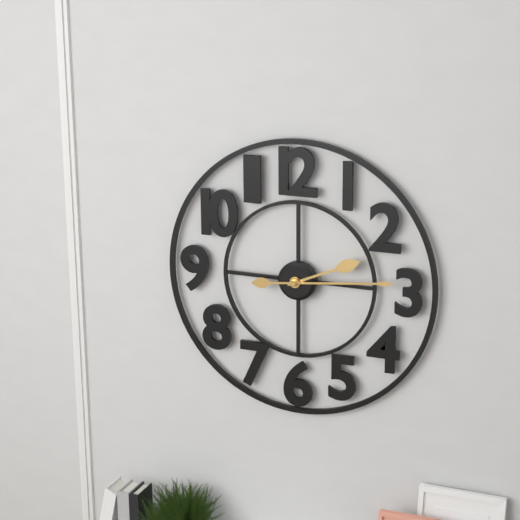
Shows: 2:14
